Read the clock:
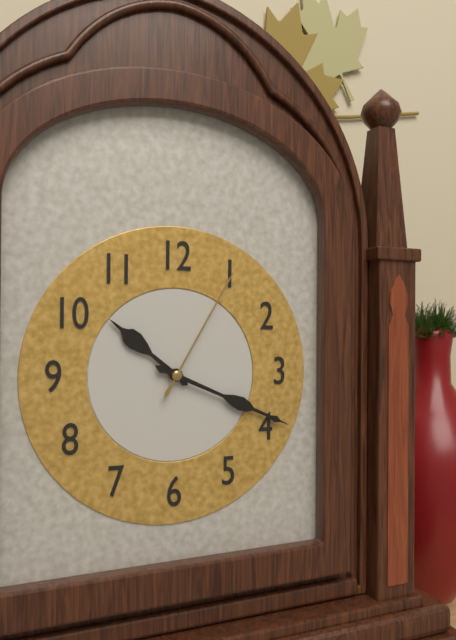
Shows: 10:19:05
